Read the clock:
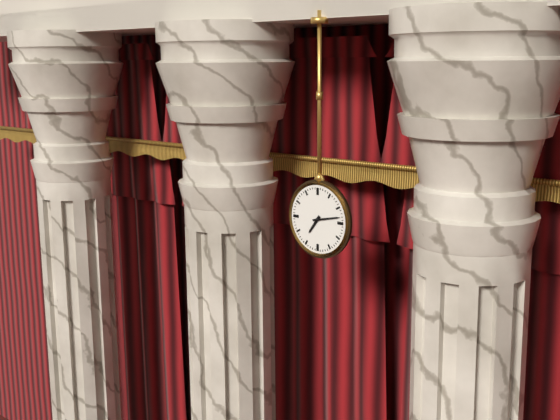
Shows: 7:13
